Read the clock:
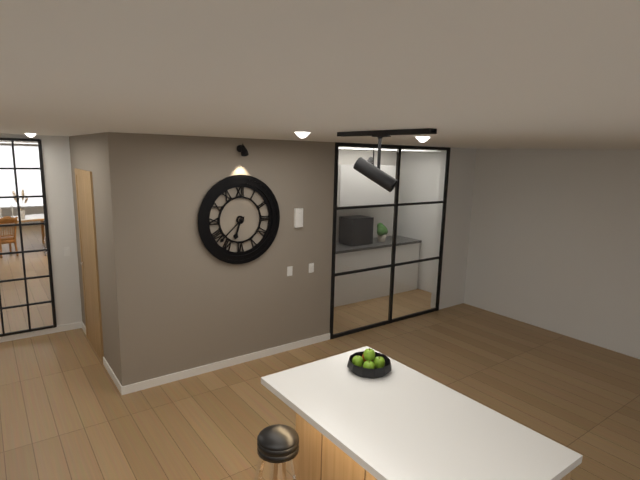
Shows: 6:38
